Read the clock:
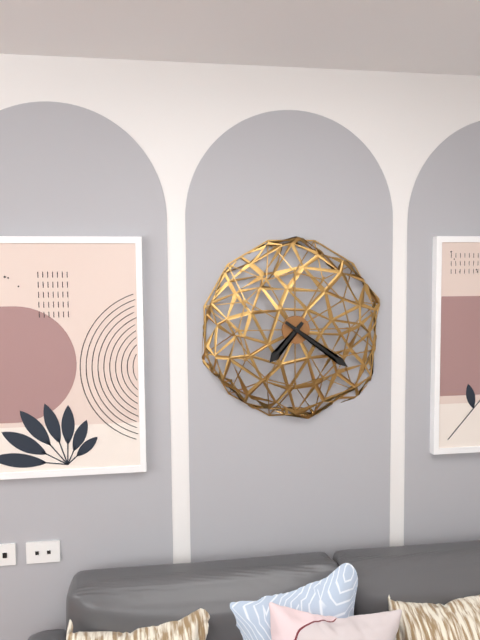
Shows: 7:21
